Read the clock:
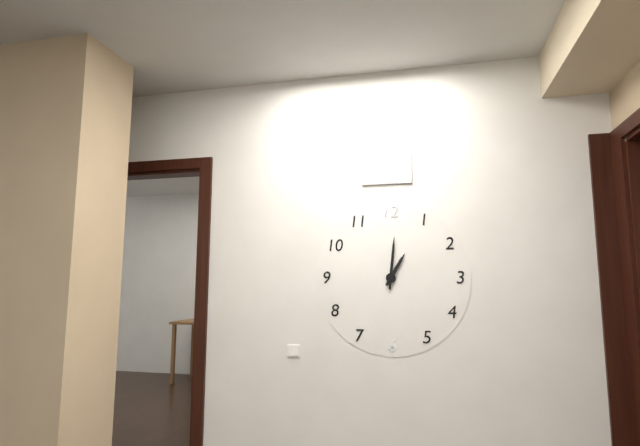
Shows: 1:01
